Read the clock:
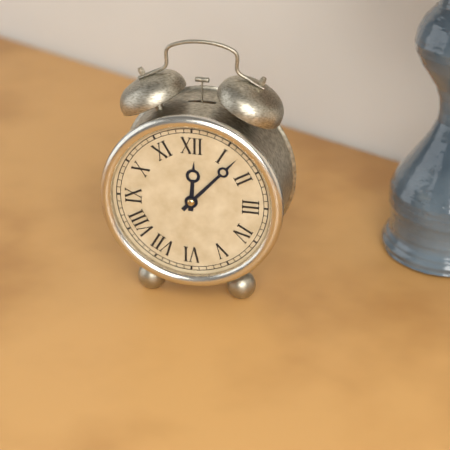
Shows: 12:07
